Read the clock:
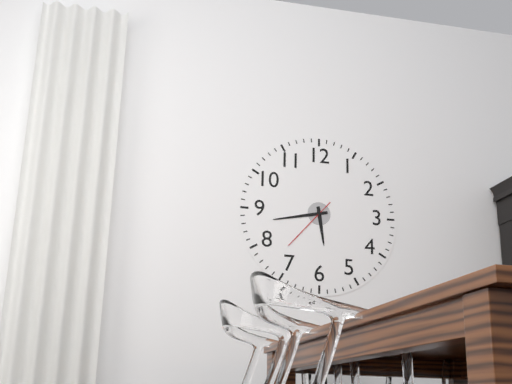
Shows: 5:43:37
